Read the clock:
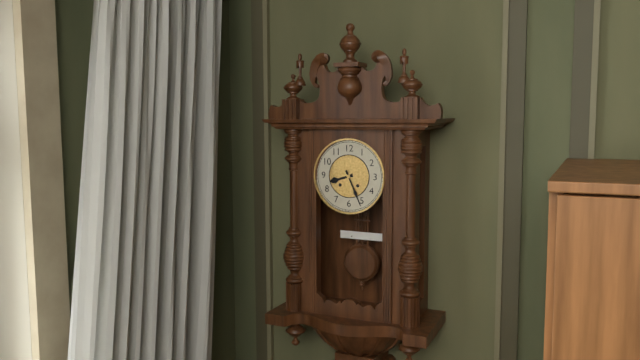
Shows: 8:26
